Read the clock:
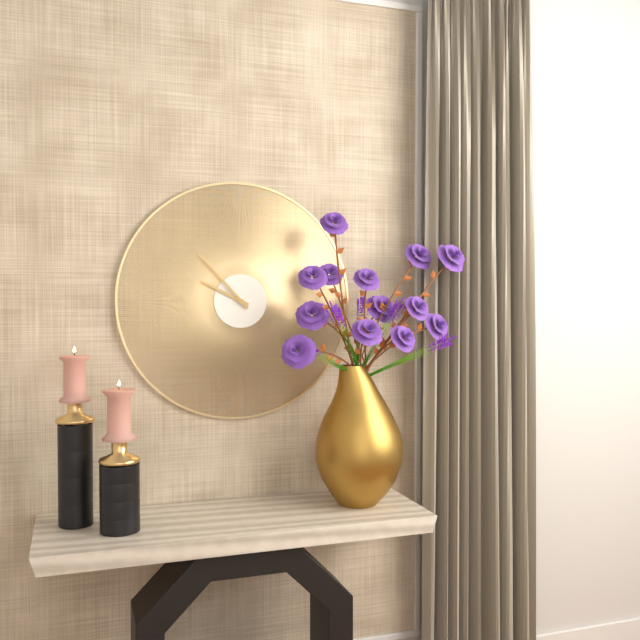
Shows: 9:53
